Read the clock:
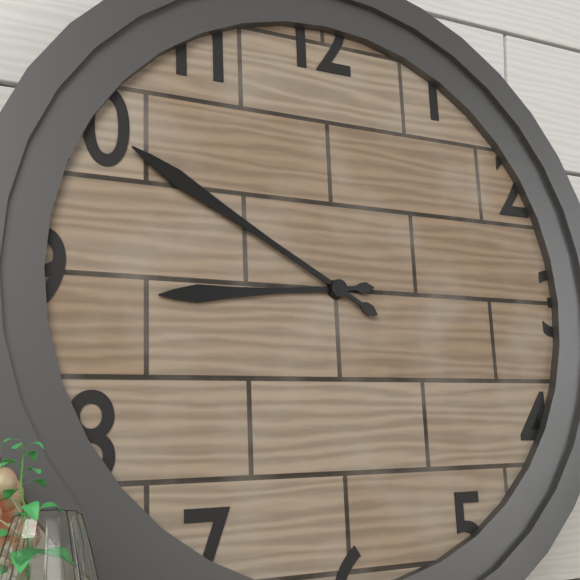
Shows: 8:50
